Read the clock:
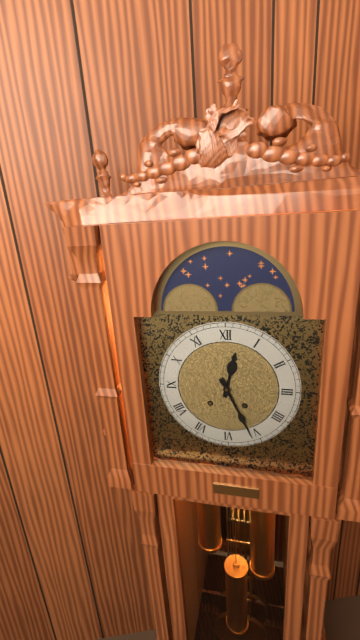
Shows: 12:26
